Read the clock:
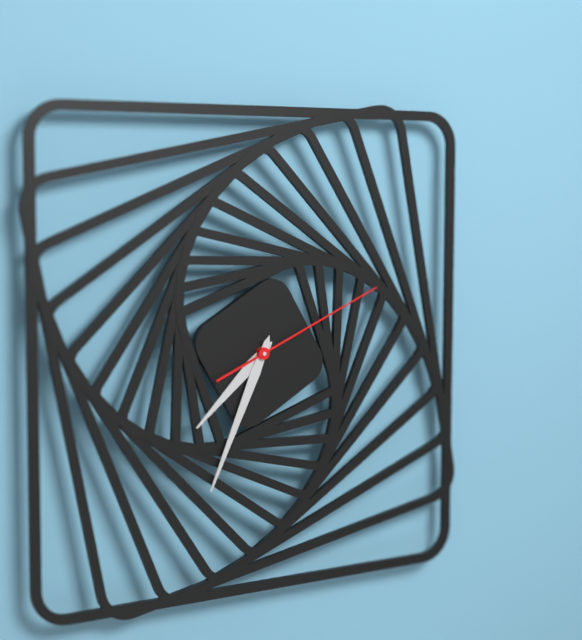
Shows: 7:34:11
